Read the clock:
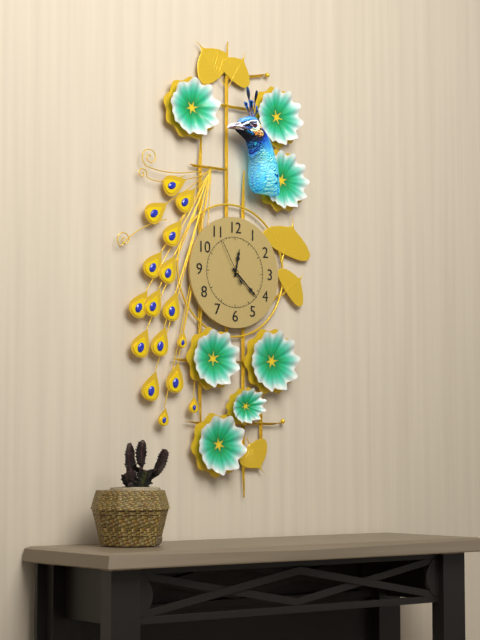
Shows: 12:22
